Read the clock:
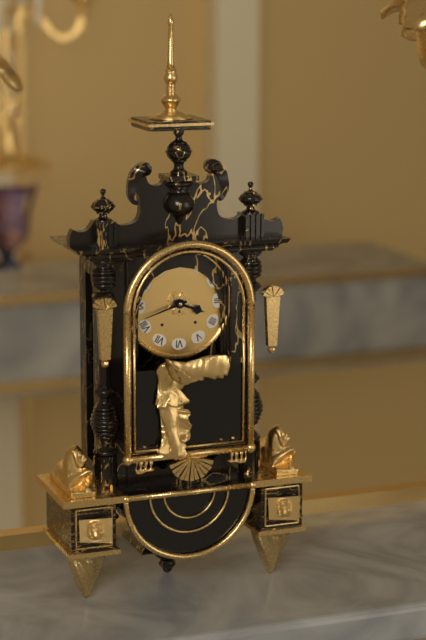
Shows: 3:42
